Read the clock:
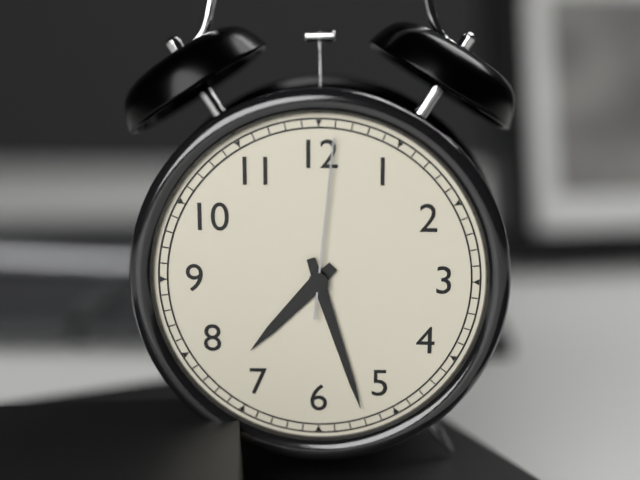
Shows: 7:27:01
